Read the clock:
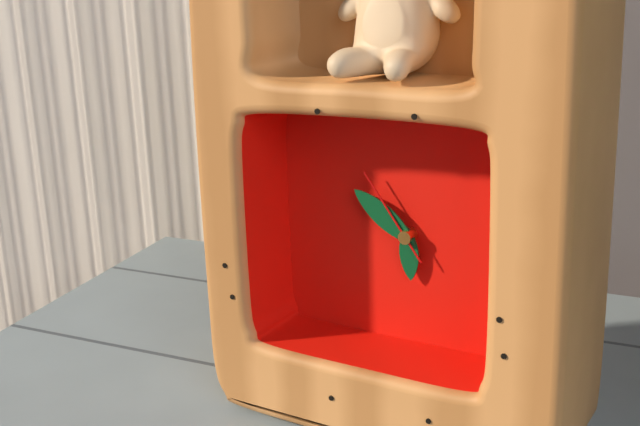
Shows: 5:51:54
